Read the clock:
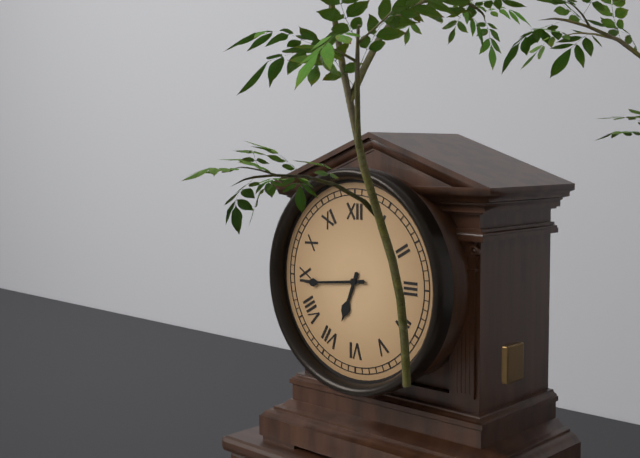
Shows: 6:44
